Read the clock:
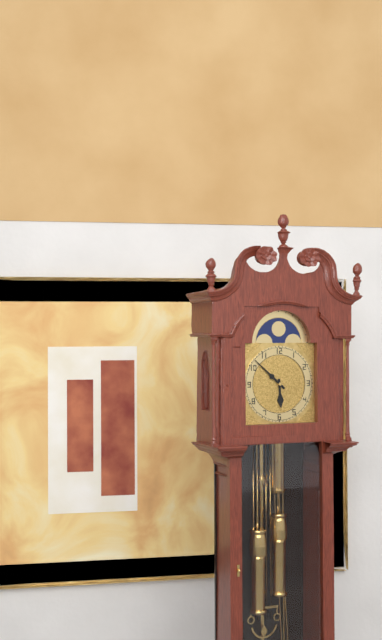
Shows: 5:52
